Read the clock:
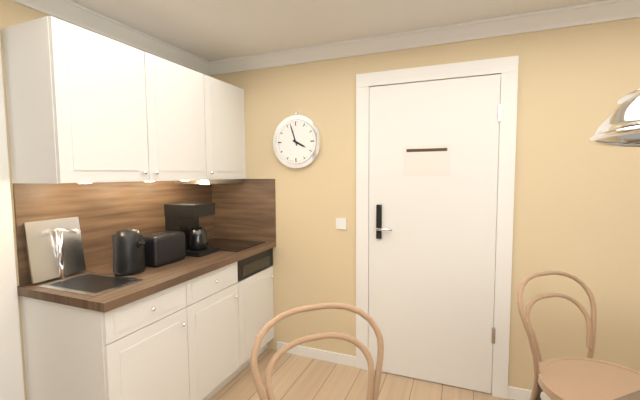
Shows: 3:57
